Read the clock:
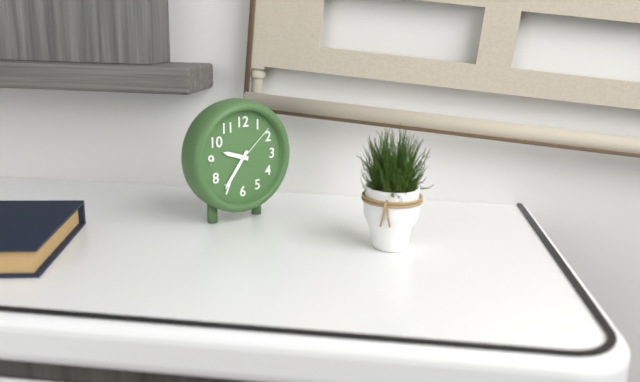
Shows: 9:36
